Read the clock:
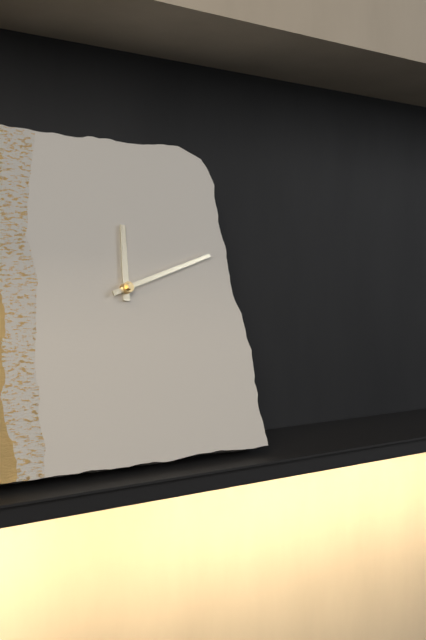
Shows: 12:12
